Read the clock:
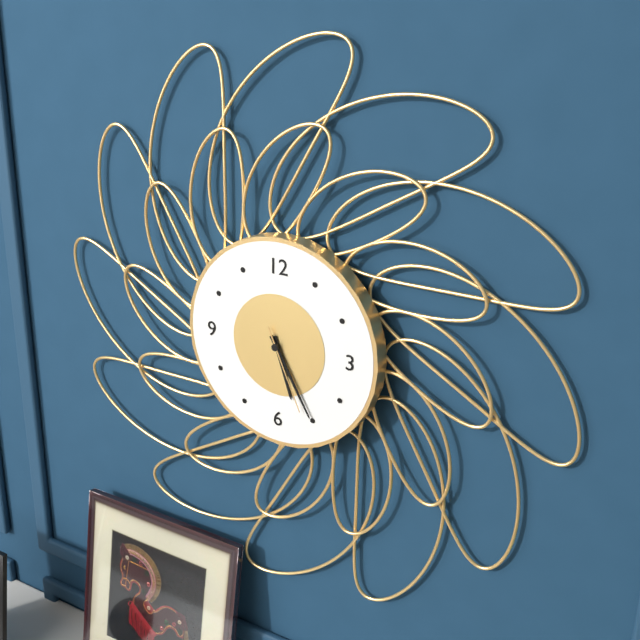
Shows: 5:25:26
